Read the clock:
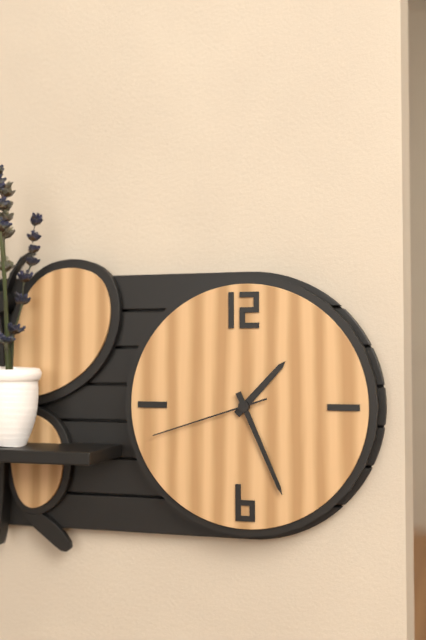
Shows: 1:26:42
